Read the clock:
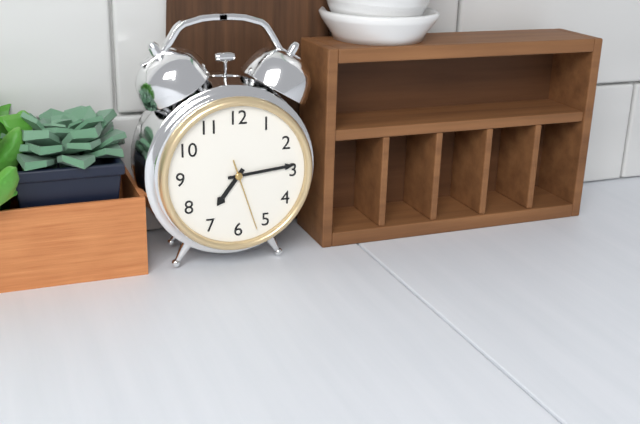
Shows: 7:14:27
